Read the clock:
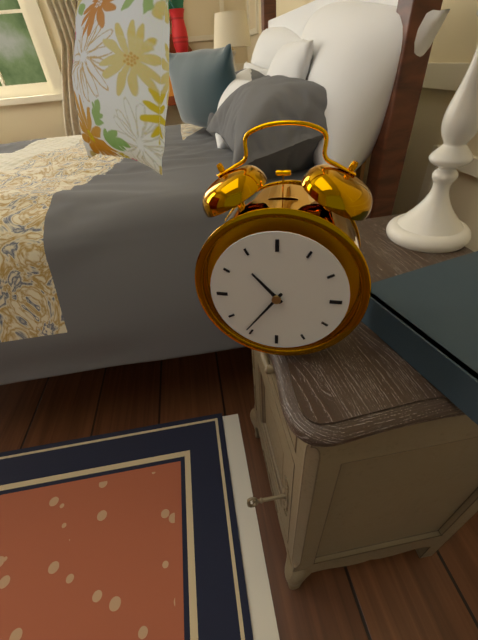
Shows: 10:36
